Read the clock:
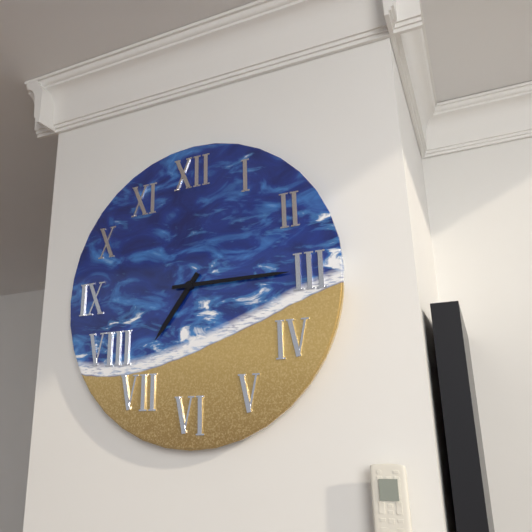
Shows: 7:15
